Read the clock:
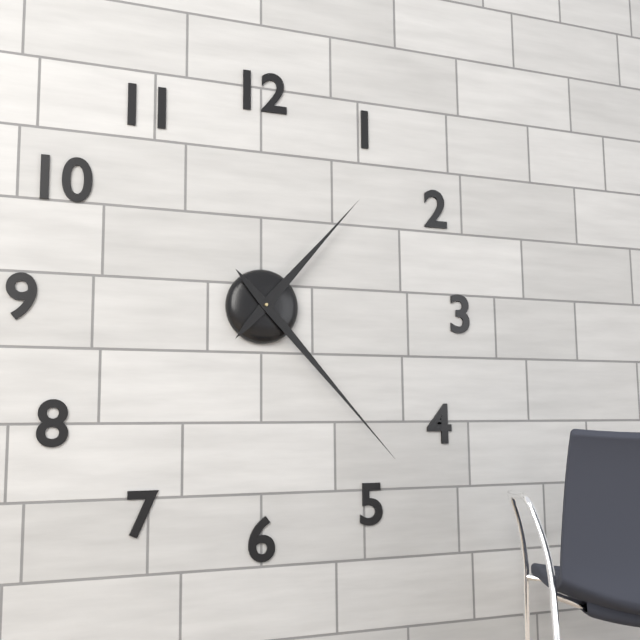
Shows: 1:23
